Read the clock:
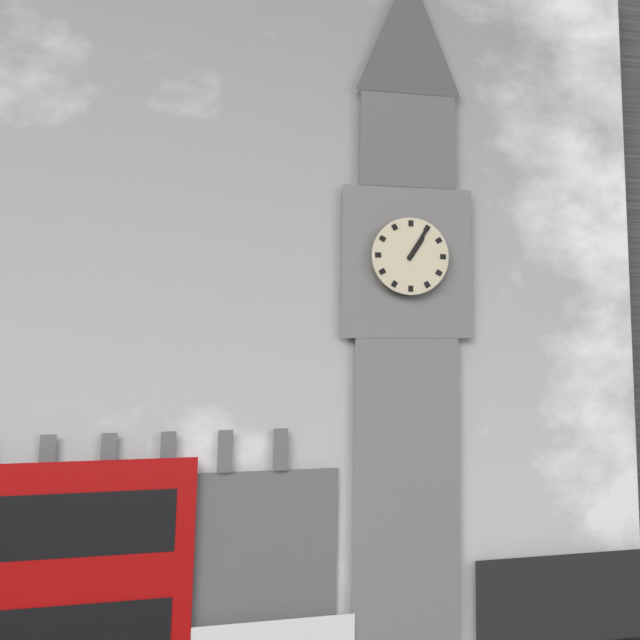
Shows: 1:05
